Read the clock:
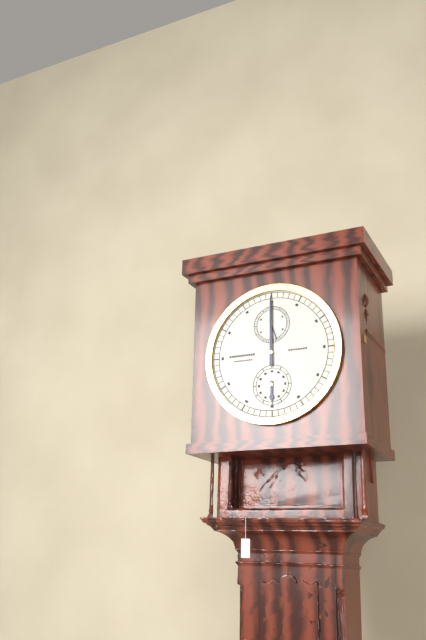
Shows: 6:00
